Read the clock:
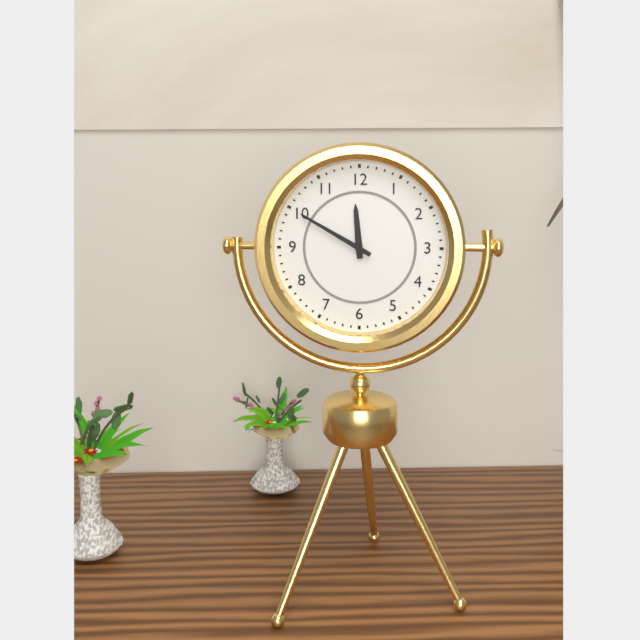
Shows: 11:50
